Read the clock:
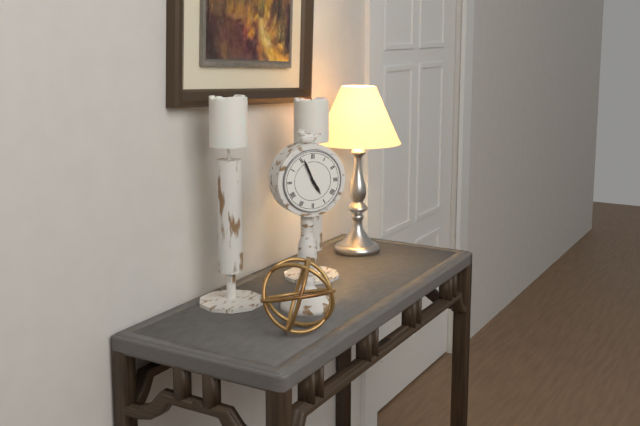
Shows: 4:56
